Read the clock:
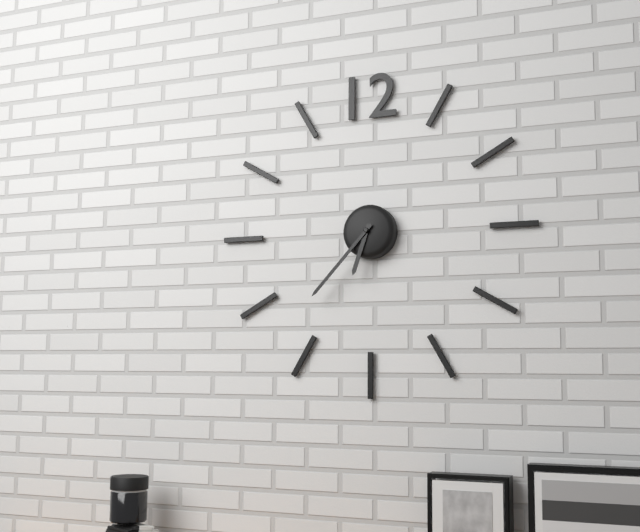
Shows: 6:37
